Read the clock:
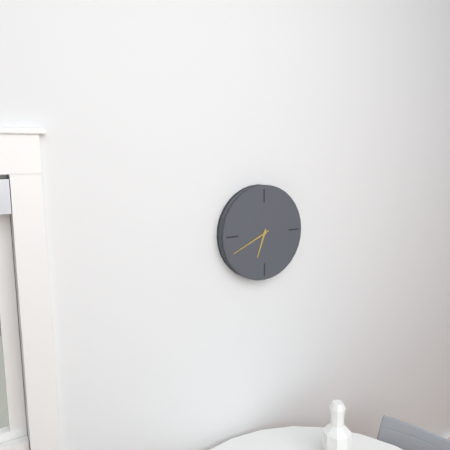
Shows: 6:41
